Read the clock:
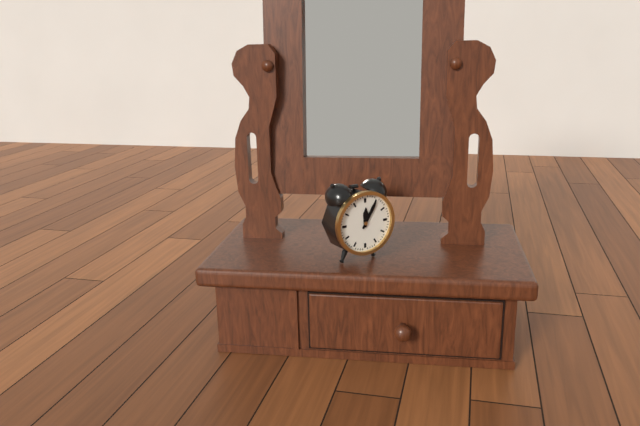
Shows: 12:05
